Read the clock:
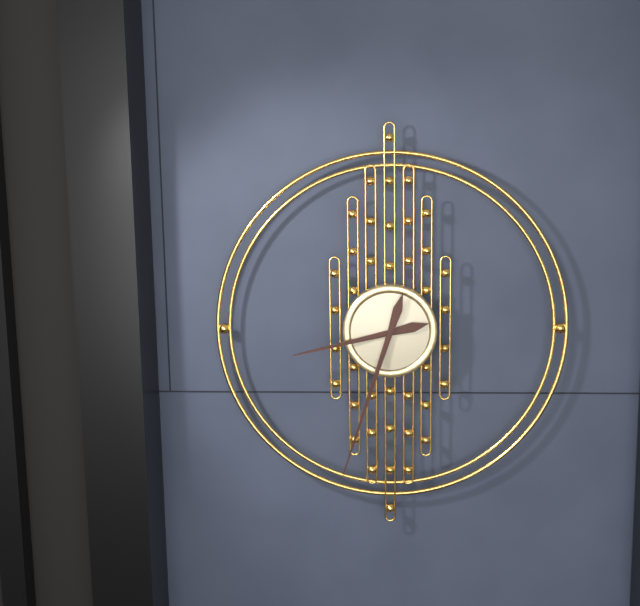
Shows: 8:33
